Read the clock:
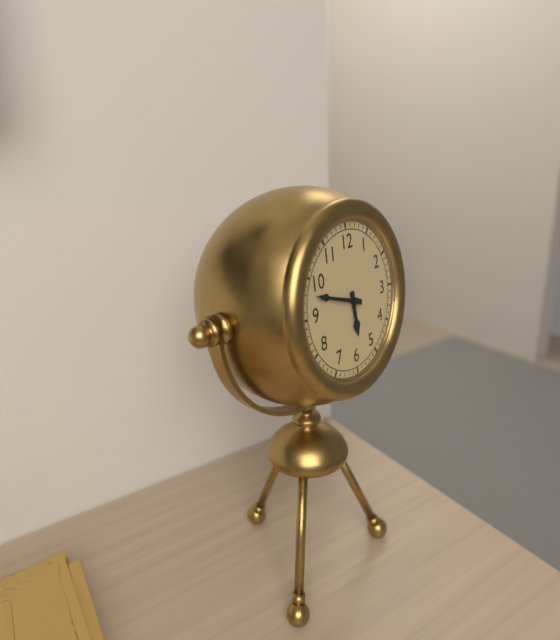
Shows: 5:48
